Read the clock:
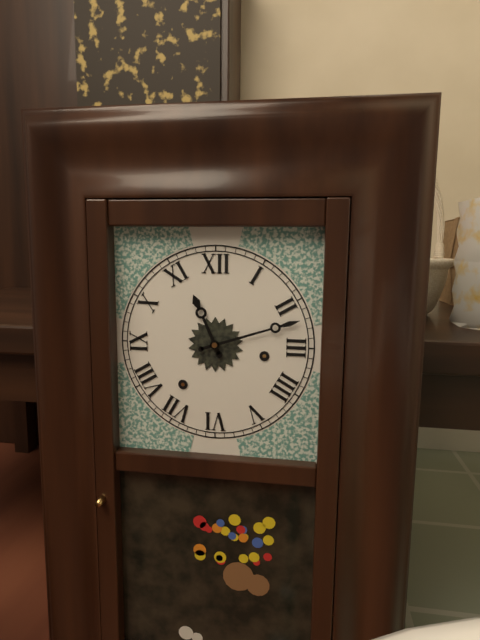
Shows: 11:12
